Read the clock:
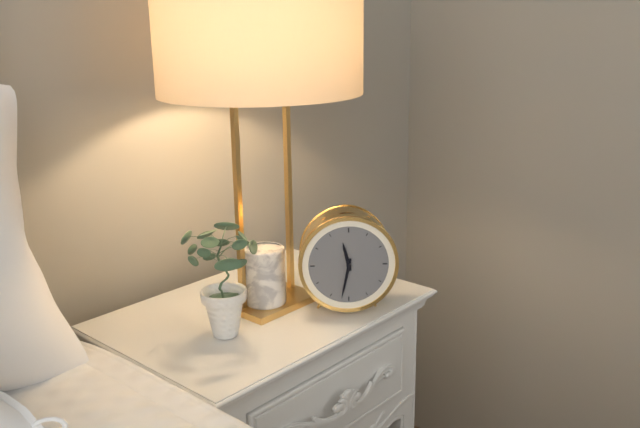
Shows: 11:32
